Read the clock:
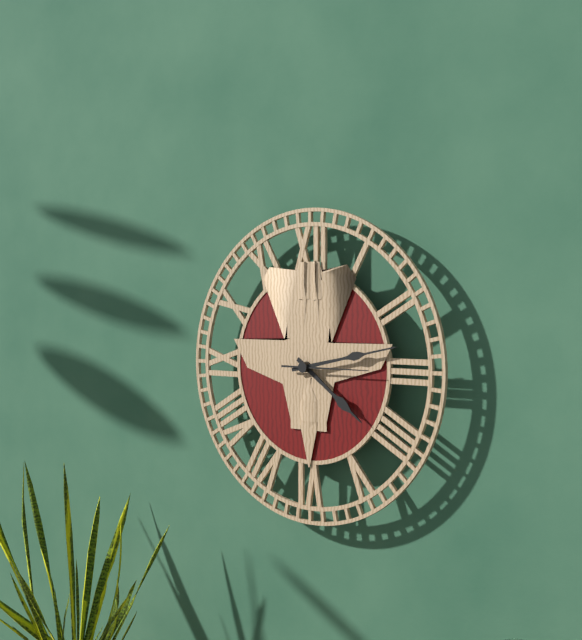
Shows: 4:13:15
